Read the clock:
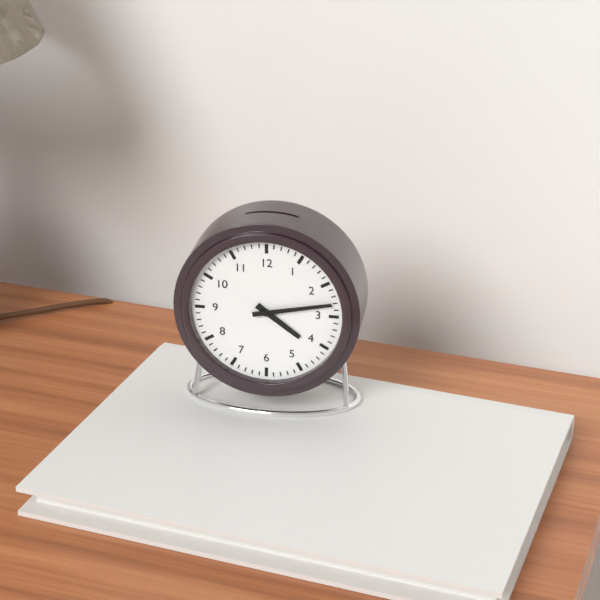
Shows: 4:13
